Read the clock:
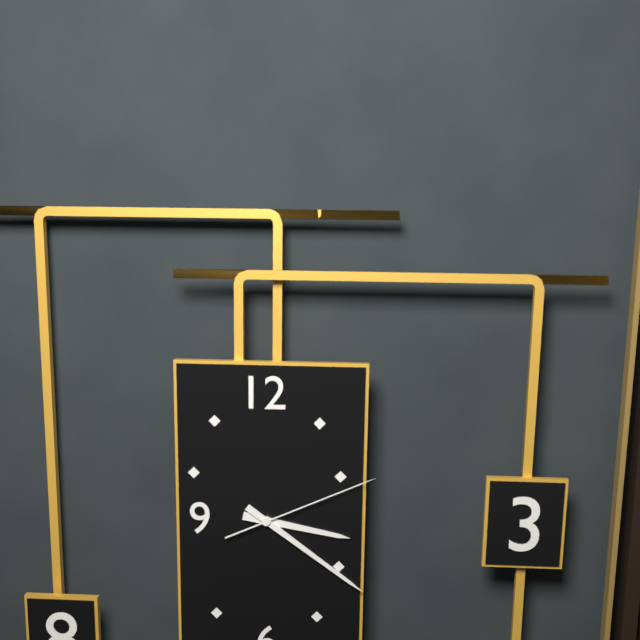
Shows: 3:21:11
